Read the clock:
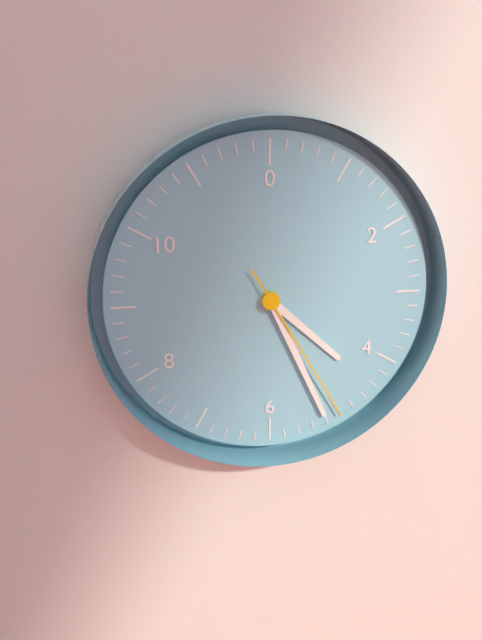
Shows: 4:26:25
